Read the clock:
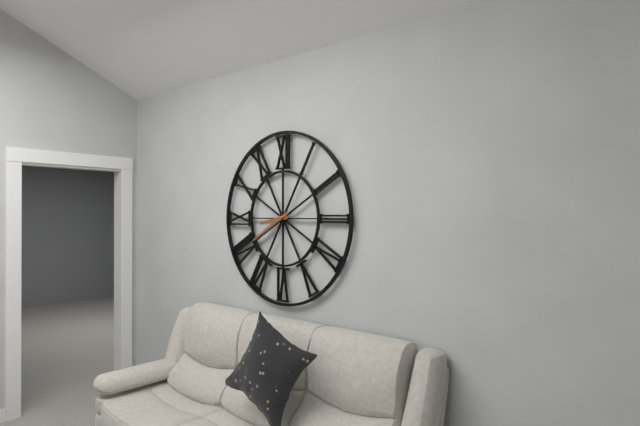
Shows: 8:40
